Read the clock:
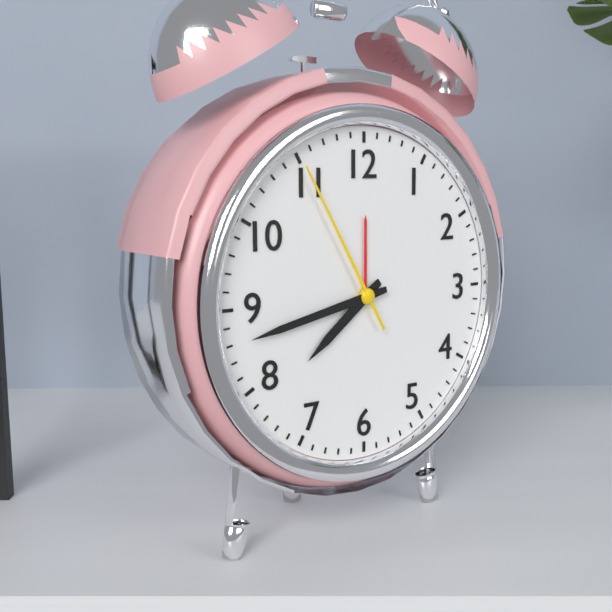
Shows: 7:43:55
